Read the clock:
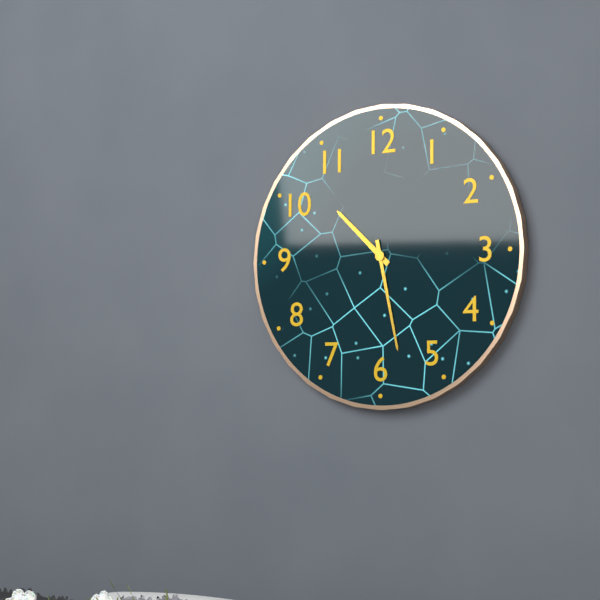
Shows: 10:28
